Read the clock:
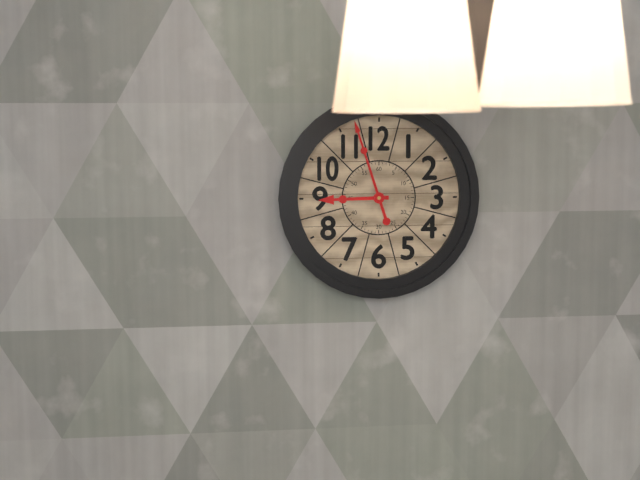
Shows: 8:57
